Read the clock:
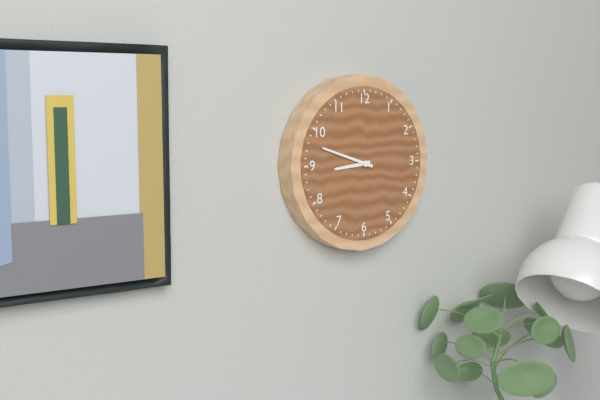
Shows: 8:48
